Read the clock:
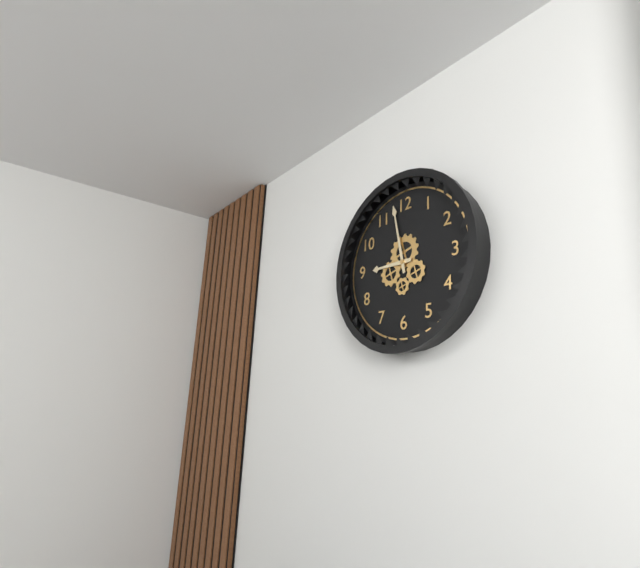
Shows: 8:58
